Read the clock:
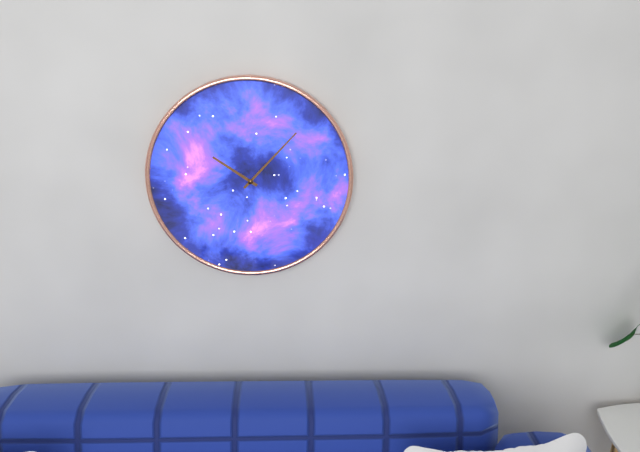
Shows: 10:07
